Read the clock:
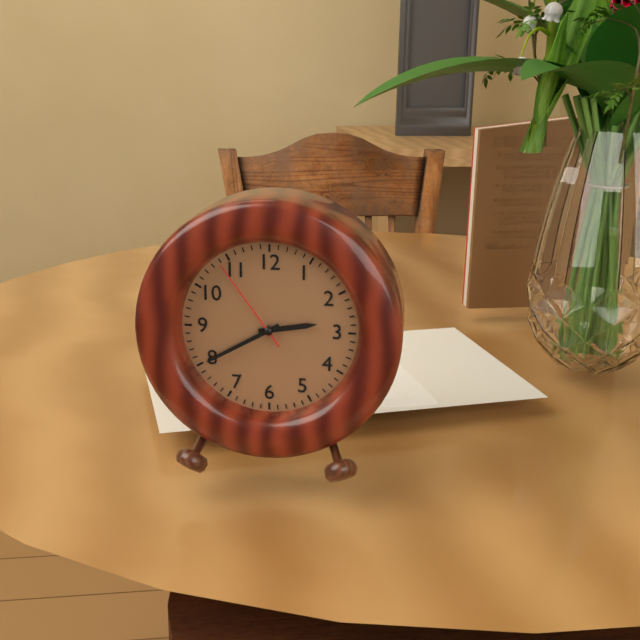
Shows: 2:40:54
